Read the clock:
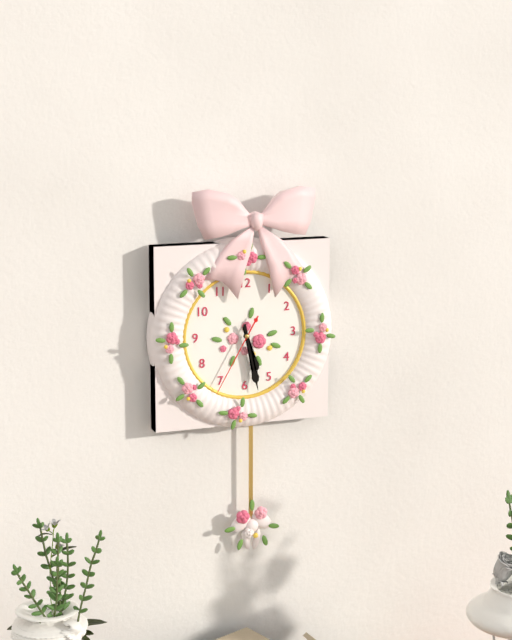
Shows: 5:28:35
